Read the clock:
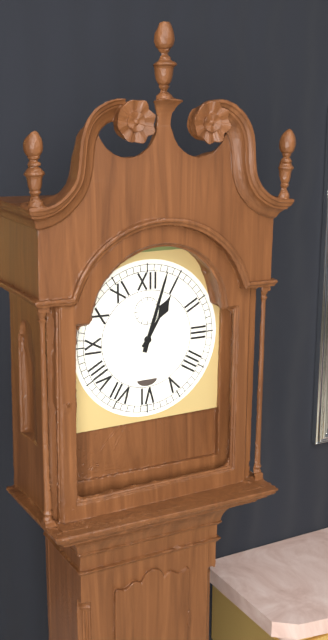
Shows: 1:03
